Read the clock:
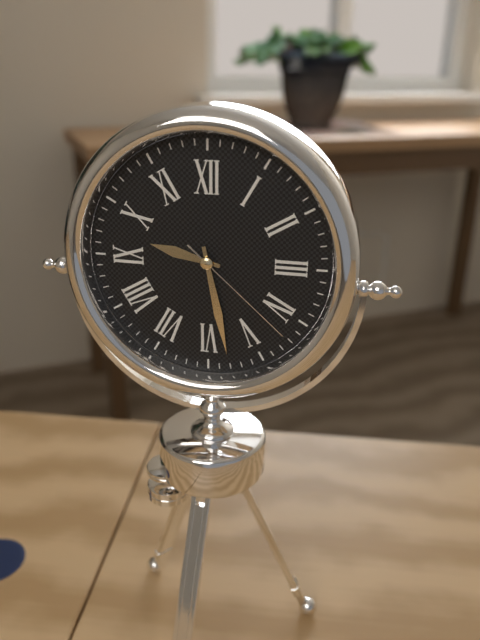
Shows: 9:28:22
